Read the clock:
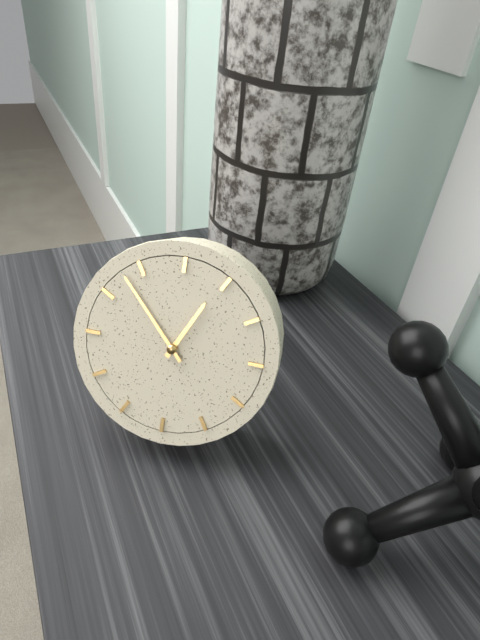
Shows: 12:53
